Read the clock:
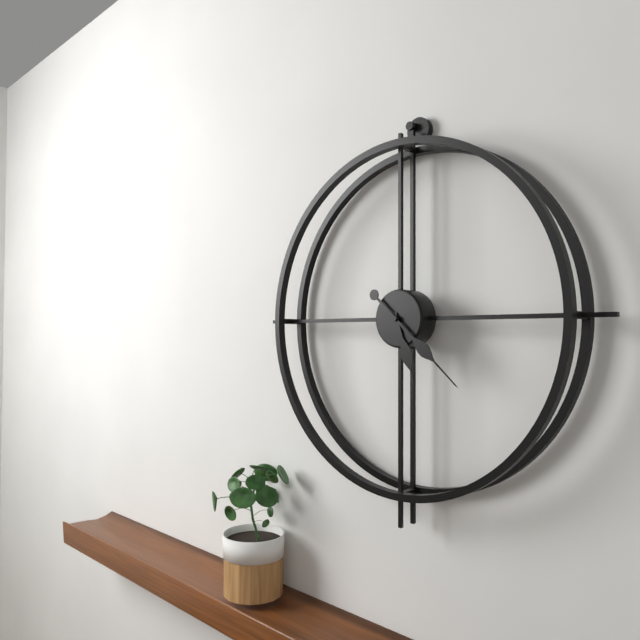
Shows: 5:22
